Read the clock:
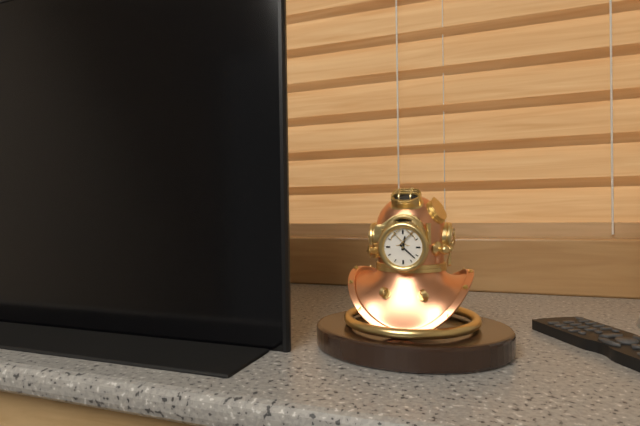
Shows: 12:22
